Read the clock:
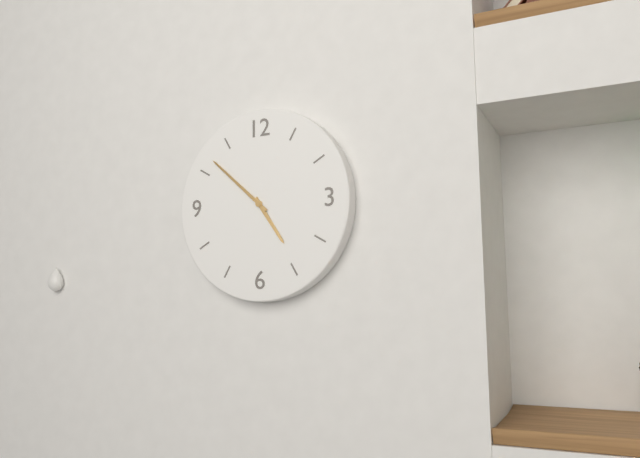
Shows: 4:52
